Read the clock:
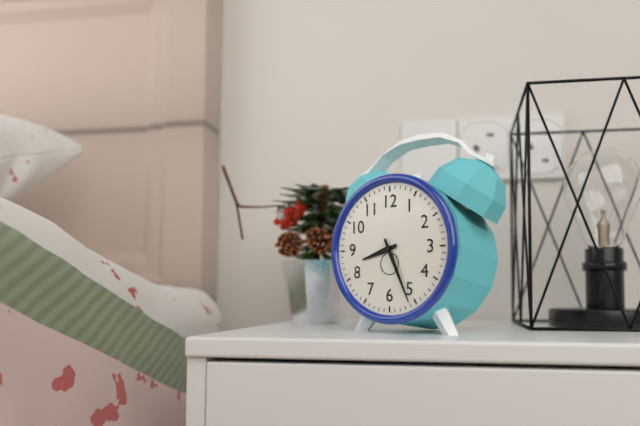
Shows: 8:26
